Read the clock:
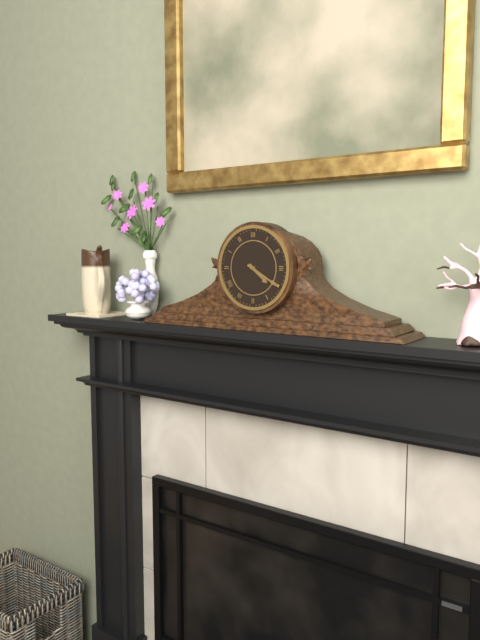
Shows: 4:20
